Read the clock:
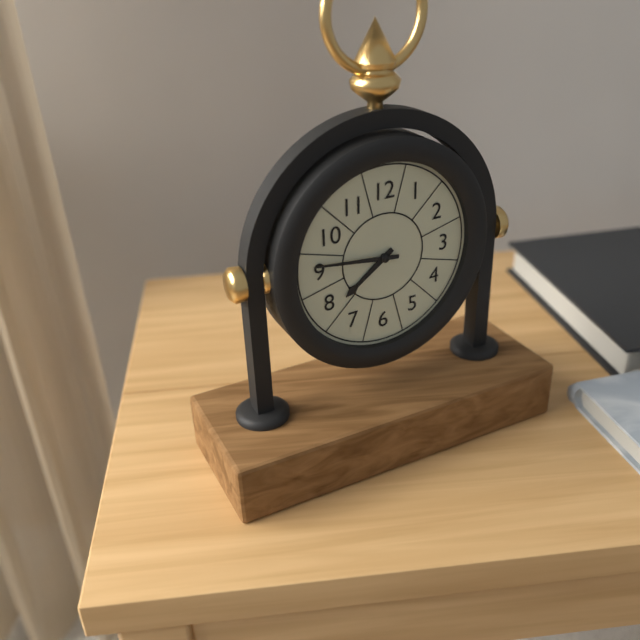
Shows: 7:46
